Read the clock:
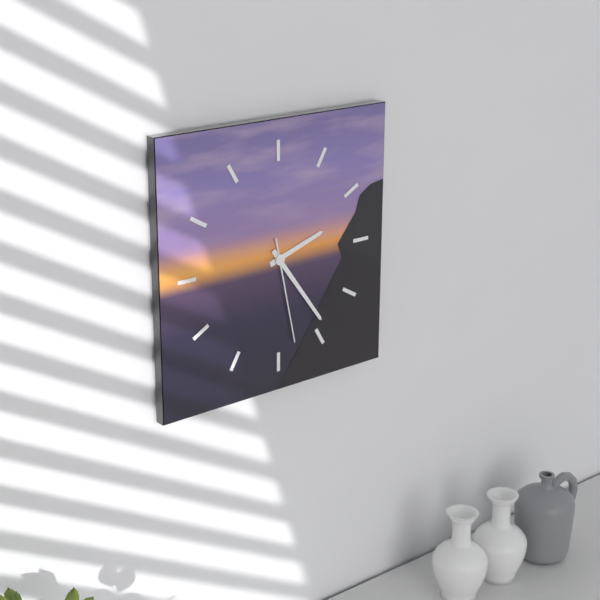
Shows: 2:24:28
